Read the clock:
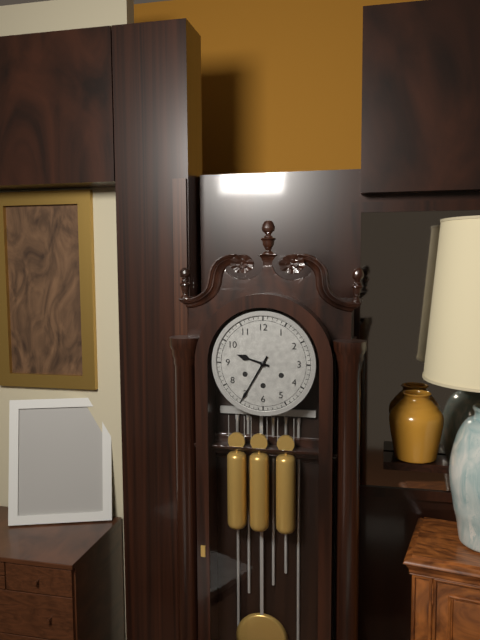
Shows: 9:35
